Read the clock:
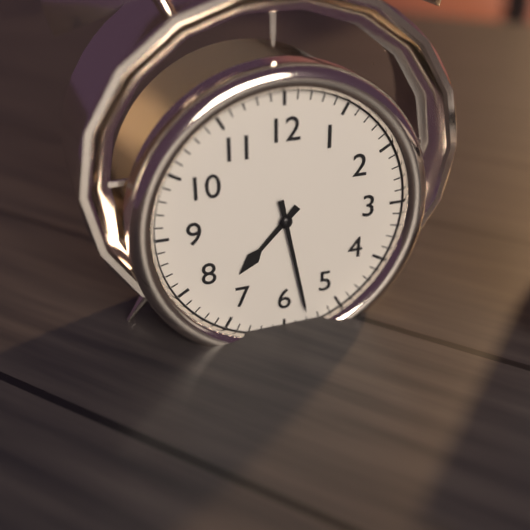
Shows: 7:28
